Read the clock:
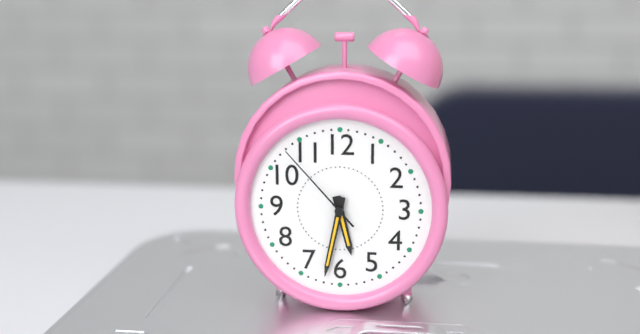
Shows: 5:32:53
